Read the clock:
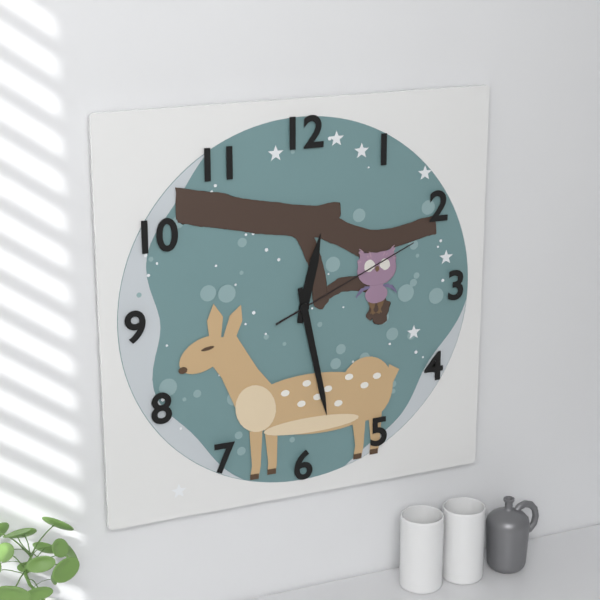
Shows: 12:28:11
